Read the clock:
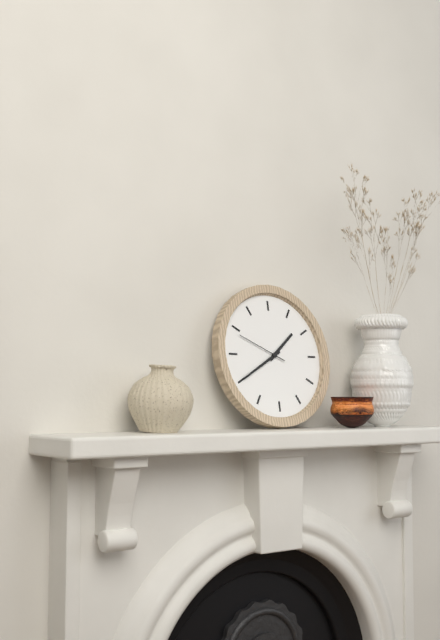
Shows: 1:40:49
